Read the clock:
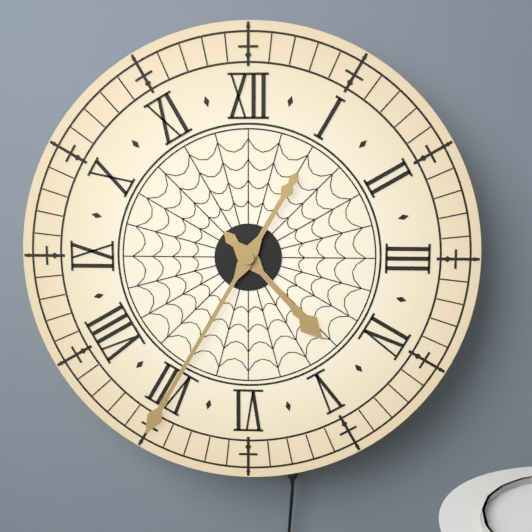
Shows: 4:35
